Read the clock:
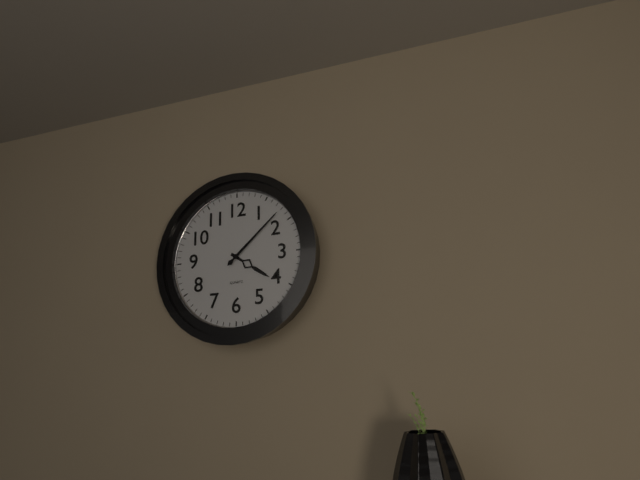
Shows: 4:08
